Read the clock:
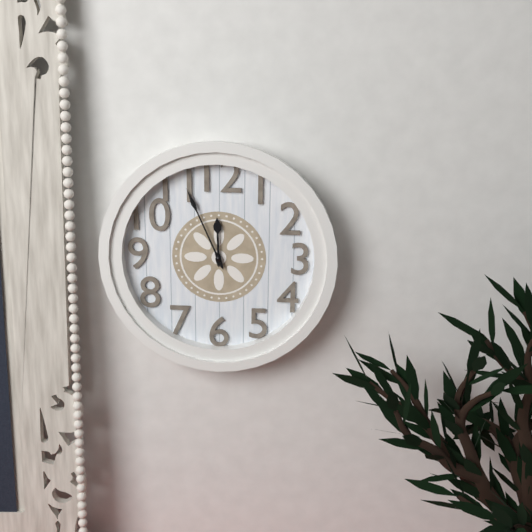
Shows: 11:56
